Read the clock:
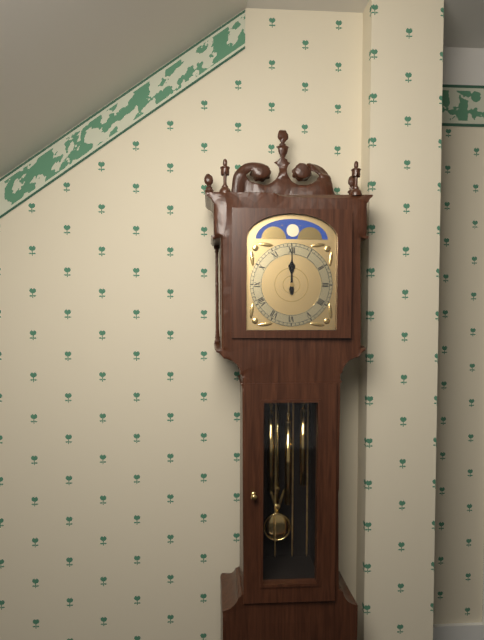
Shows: 12:00
